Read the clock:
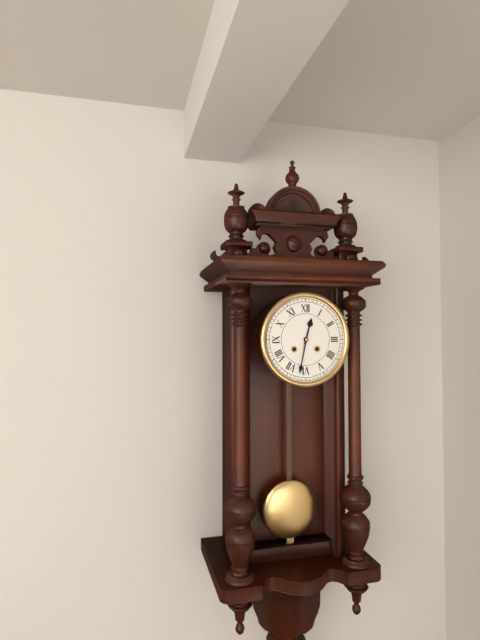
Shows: 12:32
